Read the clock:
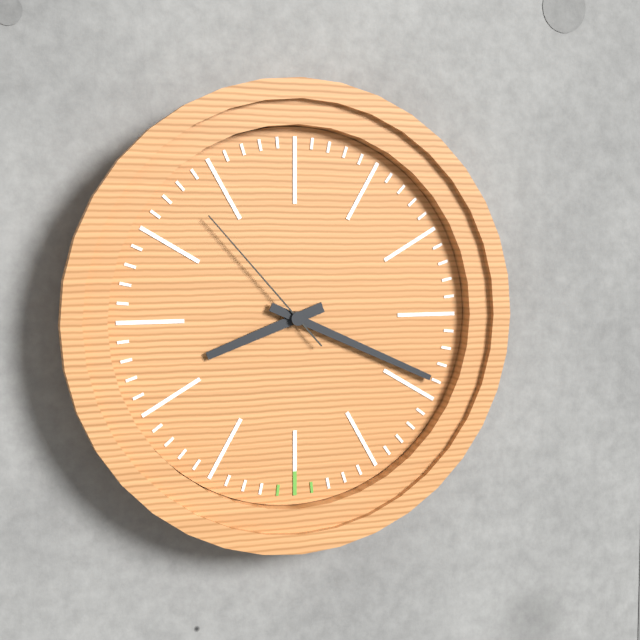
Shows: 8:19:53
